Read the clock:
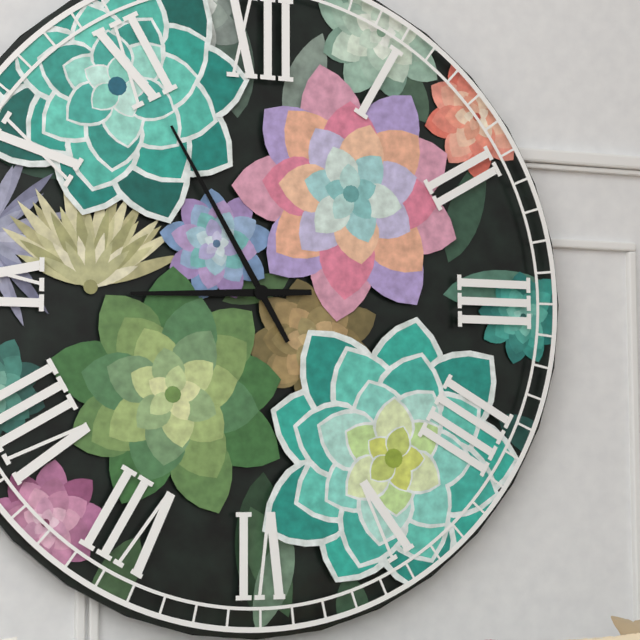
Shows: 8:55
